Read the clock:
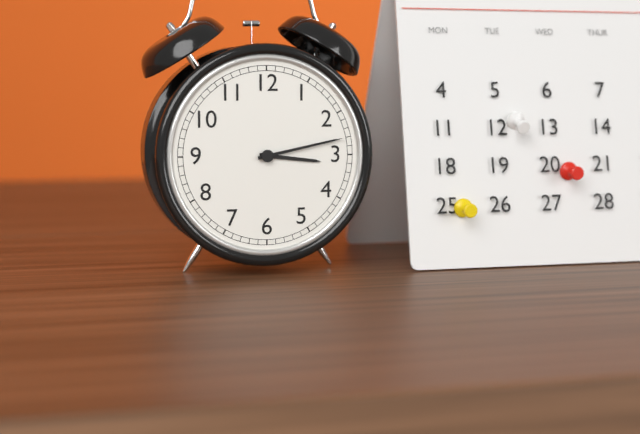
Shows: 3:13
